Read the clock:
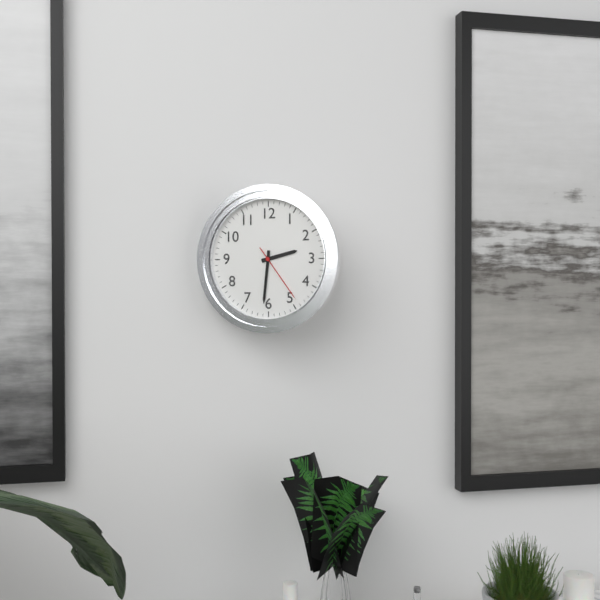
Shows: 2:31:24
